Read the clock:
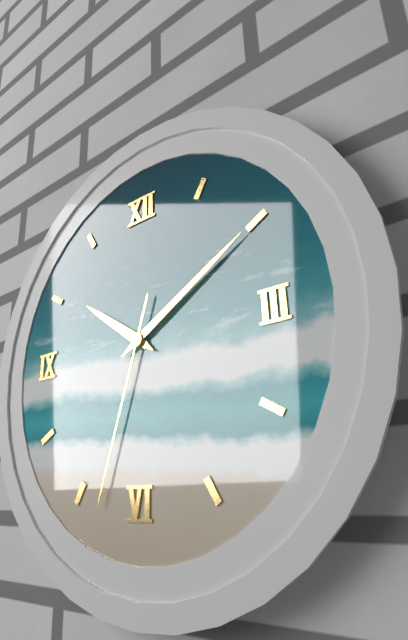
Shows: 10:10:33
